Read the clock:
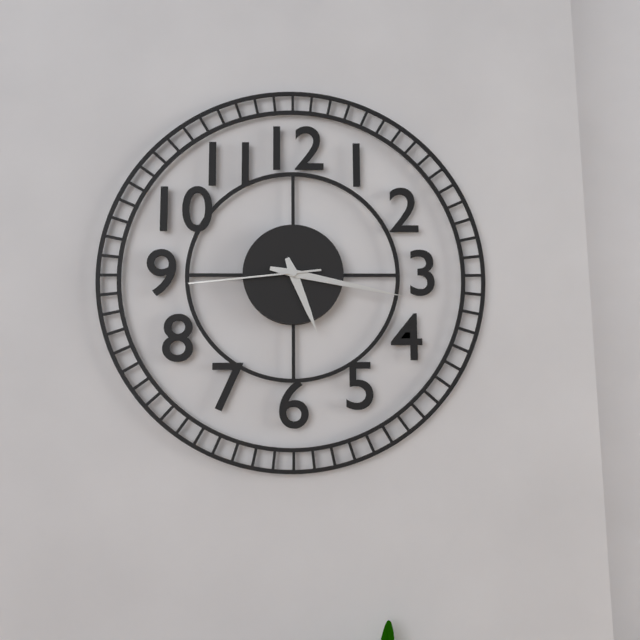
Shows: 5:17:44
